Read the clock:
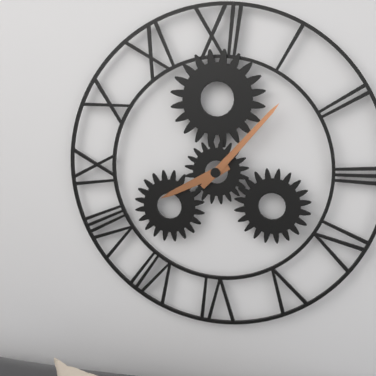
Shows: 8:07
